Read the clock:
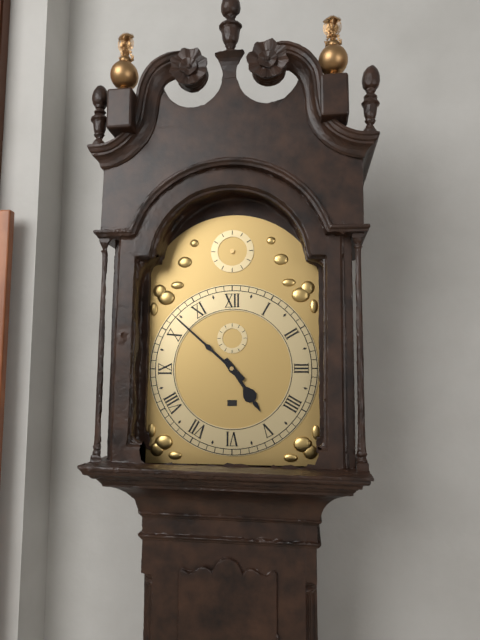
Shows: 4:52
